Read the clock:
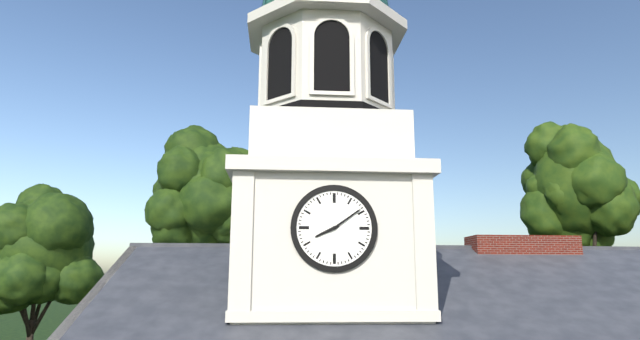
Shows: 8:09
